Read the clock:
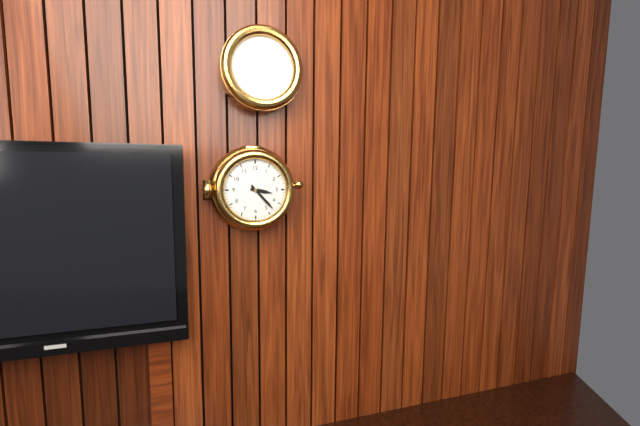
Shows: 3:23
